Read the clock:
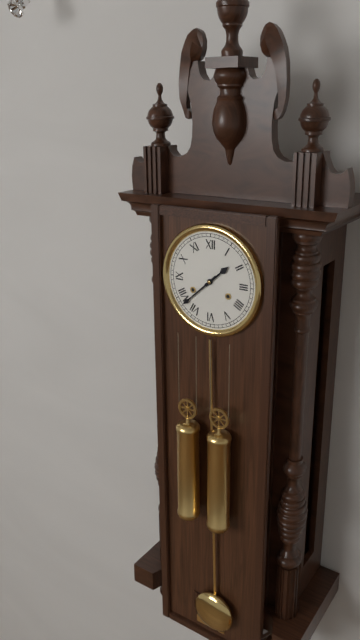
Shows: 1:38
